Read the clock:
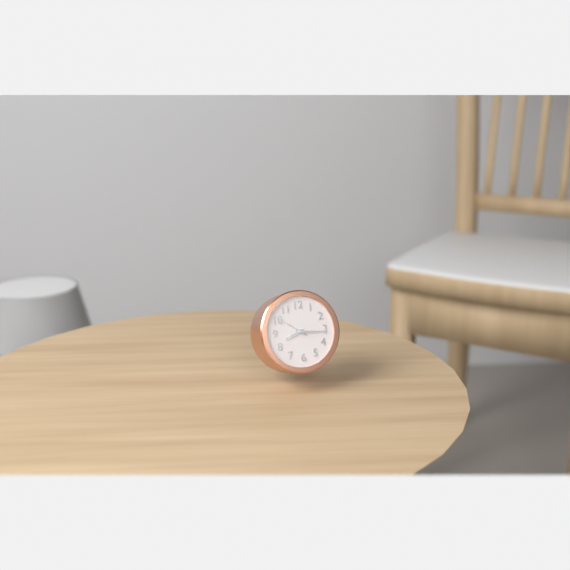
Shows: 8:16
